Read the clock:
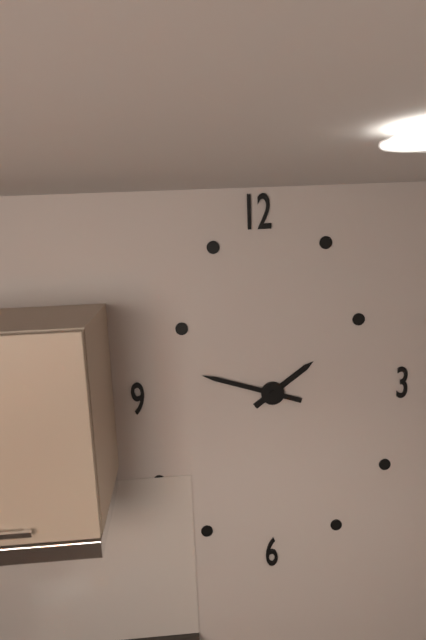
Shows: 1:48
